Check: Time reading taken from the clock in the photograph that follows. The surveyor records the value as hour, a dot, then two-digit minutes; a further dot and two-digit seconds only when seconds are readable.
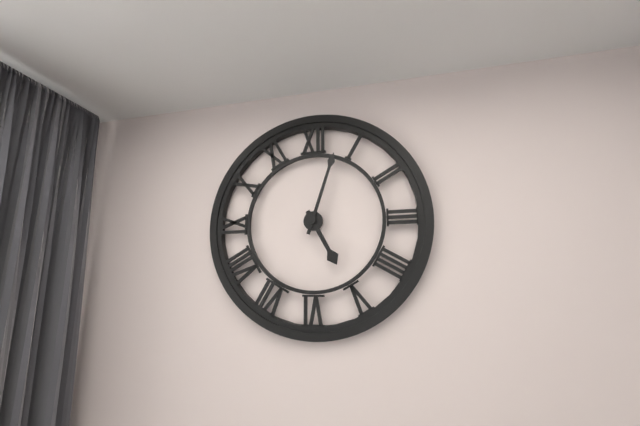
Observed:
5.03
